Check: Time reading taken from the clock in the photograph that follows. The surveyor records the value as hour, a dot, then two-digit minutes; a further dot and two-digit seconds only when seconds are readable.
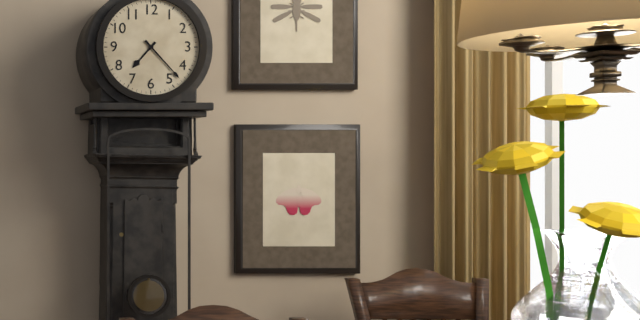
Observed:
7.23
